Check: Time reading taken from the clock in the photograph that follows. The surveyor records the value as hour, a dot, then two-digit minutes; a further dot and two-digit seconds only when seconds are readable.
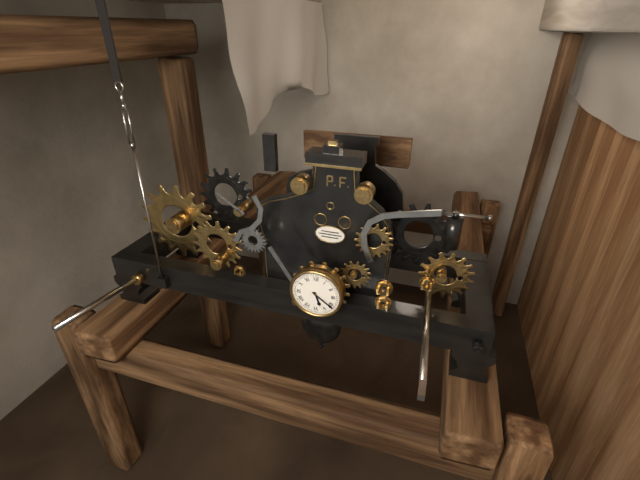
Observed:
5.21
